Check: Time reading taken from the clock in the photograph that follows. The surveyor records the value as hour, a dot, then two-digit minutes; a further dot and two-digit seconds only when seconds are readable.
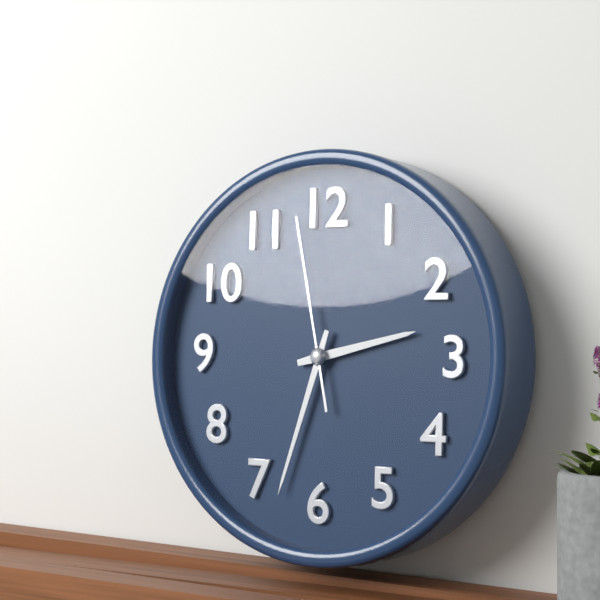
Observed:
2.33.58
